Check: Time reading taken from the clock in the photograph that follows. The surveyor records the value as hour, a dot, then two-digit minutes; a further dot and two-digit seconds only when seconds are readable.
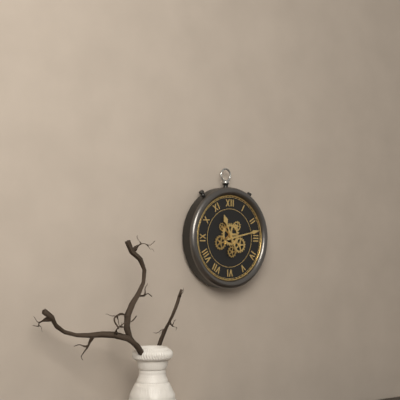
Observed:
11.13
